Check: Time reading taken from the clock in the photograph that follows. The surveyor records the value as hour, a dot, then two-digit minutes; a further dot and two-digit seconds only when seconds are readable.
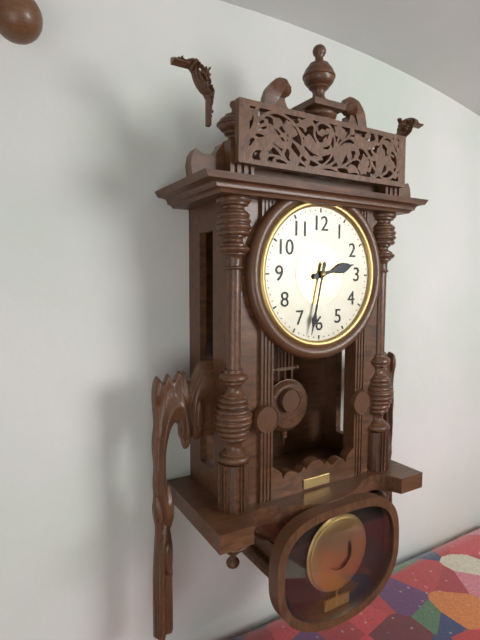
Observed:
2.32
